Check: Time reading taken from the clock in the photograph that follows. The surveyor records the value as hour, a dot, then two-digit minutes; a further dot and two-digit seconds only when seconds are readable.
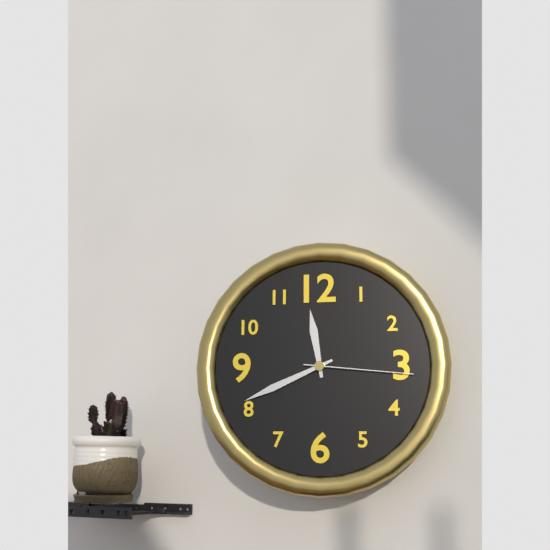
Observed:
11.41.16
